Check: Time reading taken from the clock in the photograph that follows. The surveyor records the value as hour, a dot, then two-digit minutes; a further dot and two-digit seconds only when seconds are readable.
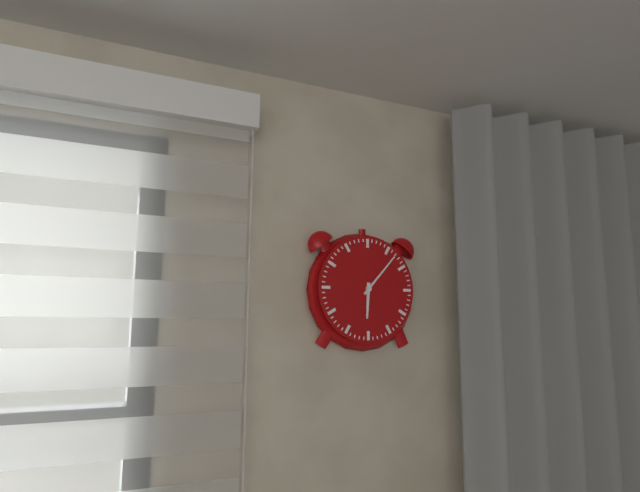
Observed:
6.07
